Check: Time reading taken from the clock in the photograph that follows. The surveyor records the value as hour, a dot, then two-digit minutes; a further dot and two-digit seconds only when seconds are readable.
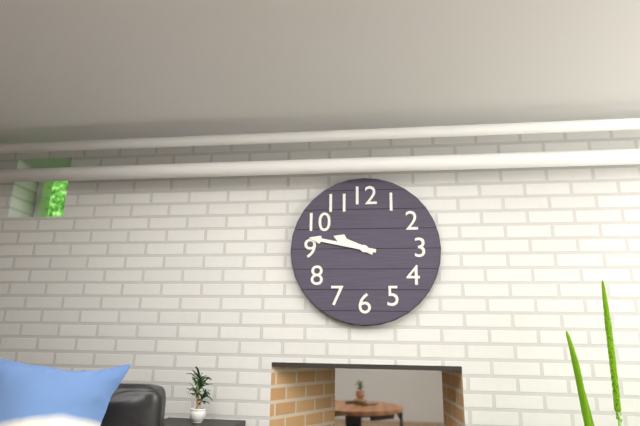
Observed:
9.47
